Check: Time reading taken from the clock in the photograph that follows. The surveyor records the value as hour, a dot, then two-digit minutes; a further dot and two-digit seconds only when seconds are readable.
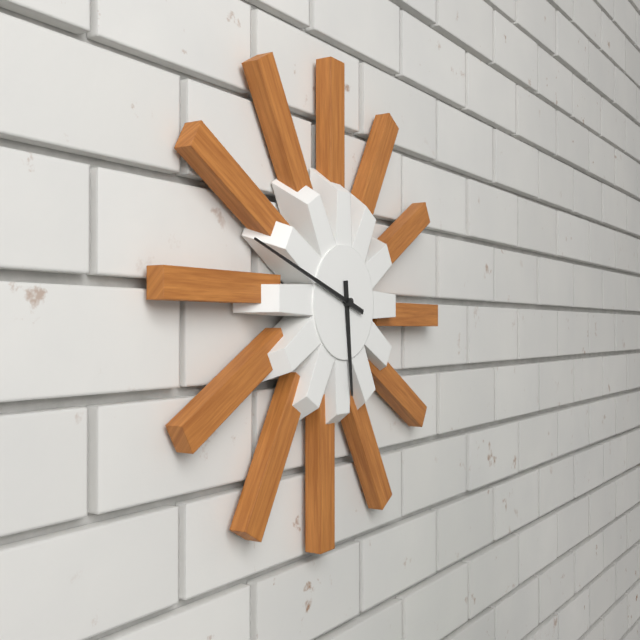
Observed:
5.48
